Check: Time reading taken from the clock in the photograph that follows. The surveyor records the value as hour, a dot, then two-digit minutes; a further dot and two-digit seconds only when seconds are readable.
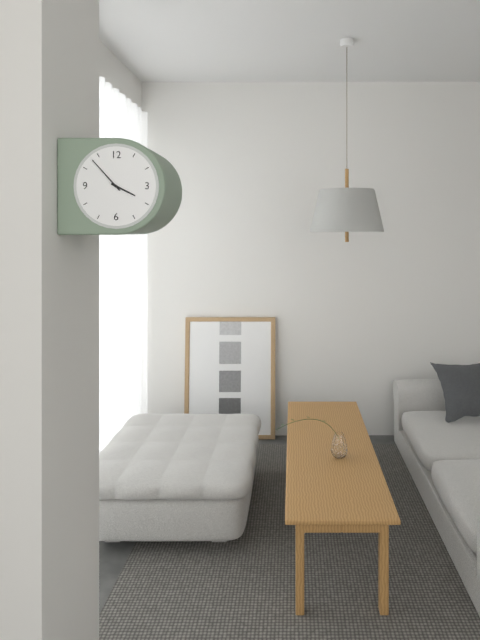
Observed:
3.53
